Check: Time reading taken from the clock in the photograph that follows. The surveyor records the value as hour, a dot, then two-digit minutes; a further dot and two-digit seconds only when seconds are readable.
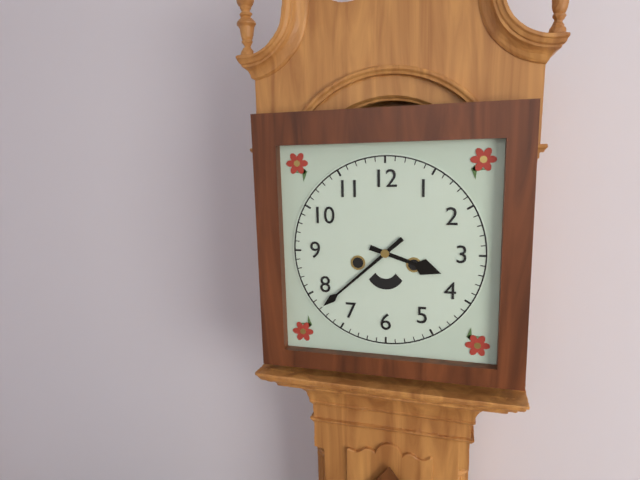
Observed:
3.38
